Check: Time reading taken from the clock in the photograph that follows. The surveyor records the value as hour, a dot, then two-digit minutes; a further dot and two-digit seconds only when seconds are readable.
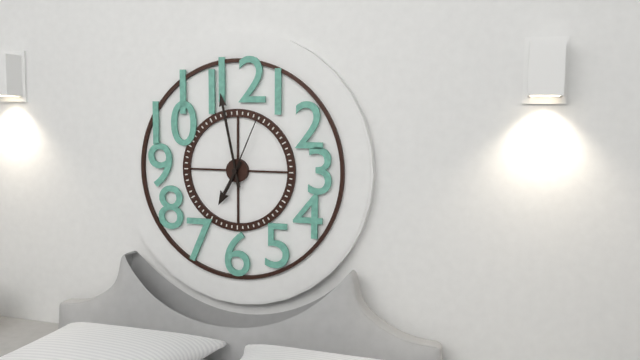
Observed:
6.58.04
